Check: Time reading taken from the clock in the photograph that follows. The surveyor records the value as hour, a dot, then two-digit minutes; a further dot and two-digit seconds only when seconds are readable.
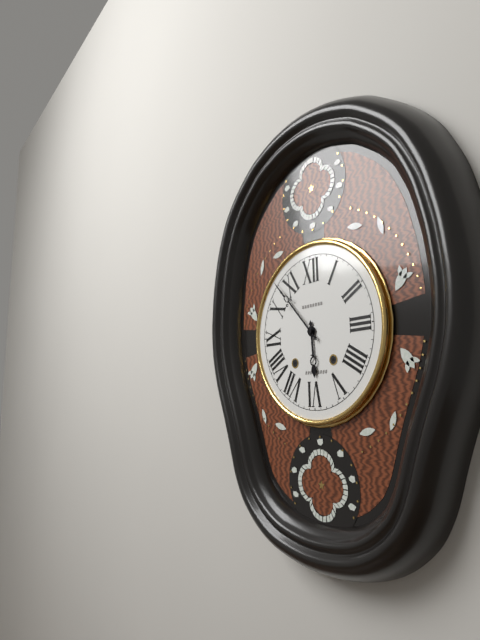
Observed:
5.53
